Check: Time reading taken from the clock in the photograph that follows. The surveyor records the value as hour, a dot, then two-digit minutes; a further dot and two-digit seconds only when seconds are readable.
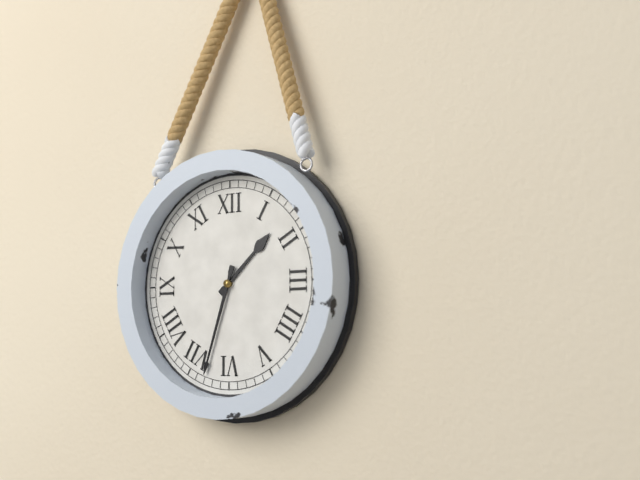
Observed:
1.33
